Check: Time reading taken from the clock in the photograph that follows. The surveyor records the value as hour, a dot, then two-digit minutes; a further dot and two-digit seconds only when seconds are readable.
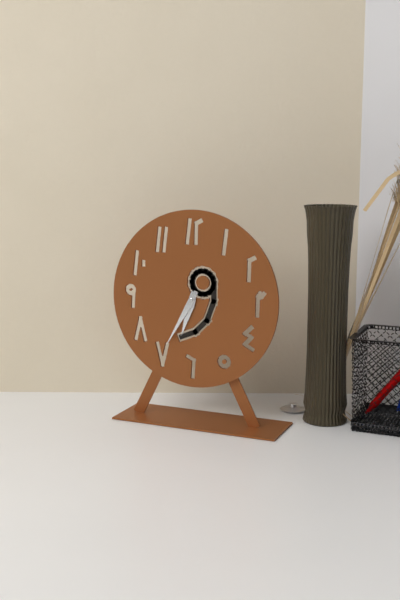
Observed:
6.35
